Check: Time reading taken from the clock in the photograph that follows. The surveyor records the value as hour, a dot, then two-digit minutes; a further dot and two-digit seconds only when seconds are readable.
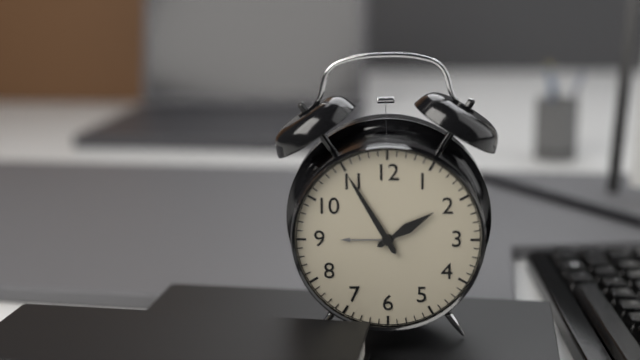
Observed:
1.55
